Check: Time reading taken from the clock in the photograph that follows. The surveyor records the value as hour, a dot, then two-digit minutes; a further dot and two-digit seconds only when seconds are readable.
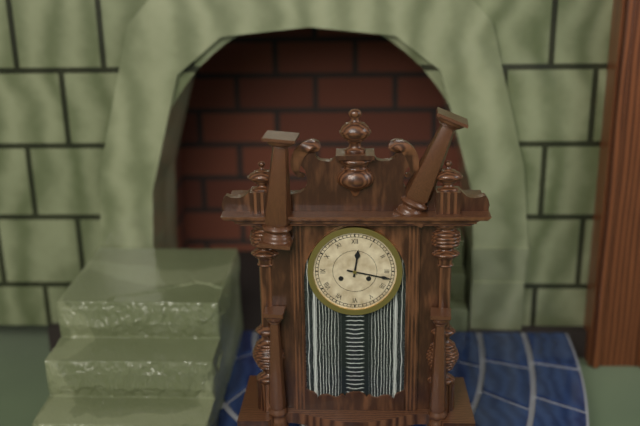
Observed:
12.17
